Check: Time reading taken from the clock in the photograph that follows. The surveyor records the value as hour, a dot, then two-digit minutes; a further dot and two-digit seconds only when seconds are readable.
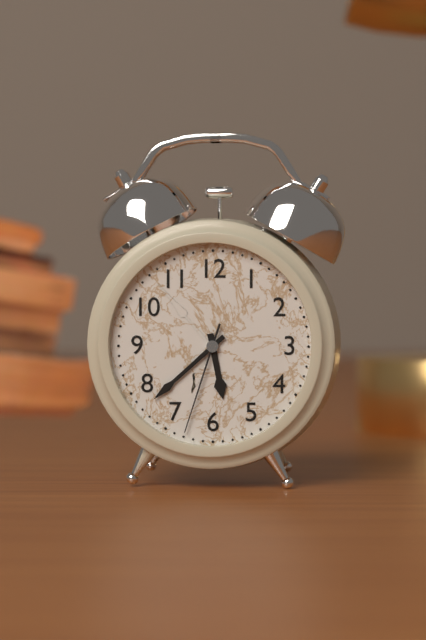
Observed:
5.38.33
